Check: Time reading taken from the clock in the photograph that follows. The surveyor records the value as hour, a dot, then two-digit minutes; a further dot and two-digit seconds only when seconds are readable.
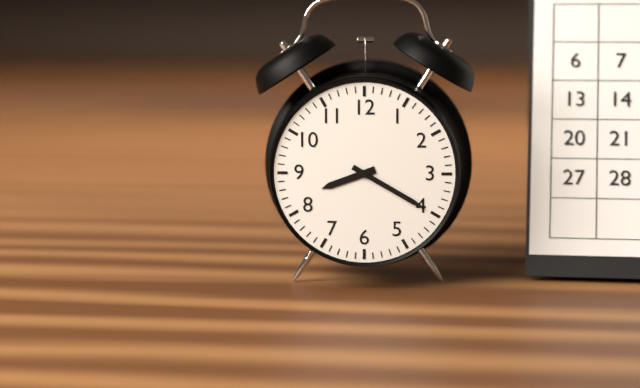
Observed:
8.20
